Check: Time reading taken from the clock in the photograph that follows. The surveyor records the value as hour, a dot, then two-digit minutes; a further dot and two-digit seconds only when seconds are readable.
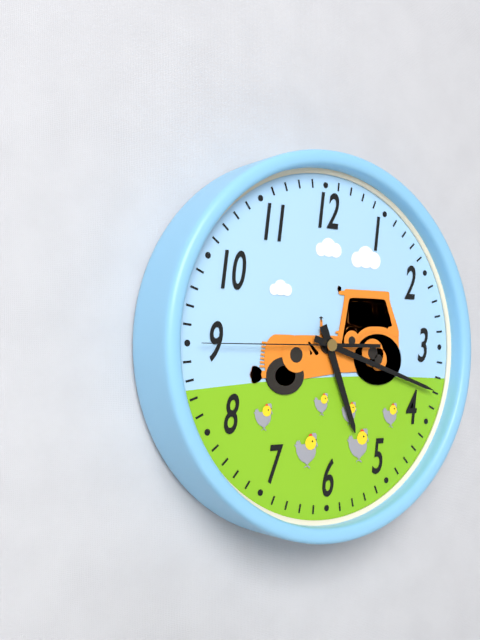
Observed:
5.18.45
